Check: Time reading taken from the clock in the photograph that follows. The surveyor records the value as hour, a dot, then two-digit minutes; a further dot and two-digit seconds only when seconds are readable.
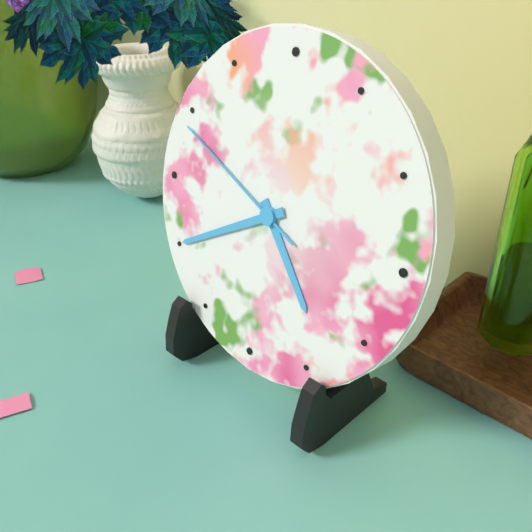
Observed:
4.40.49
